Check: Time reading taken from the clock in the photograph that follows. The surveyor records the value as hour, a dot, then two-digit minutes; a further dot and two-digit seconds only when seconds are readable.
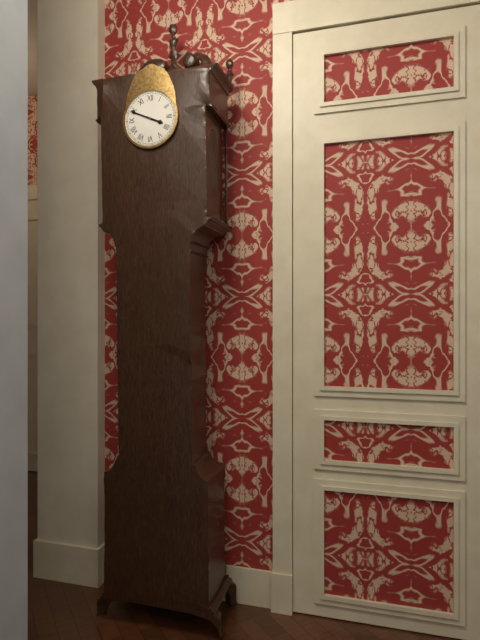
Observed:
3.49
